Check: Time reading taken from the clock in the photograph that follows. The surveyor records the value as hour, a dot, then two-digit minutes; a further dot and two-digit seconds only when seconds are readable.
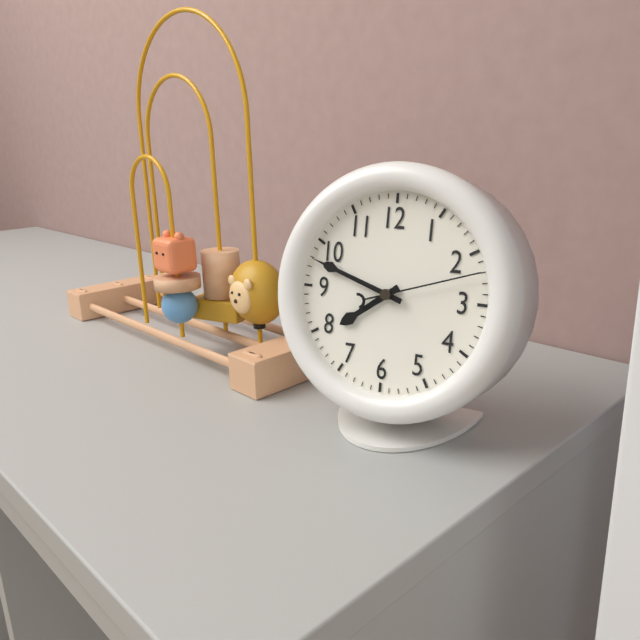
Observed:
7.48.12
